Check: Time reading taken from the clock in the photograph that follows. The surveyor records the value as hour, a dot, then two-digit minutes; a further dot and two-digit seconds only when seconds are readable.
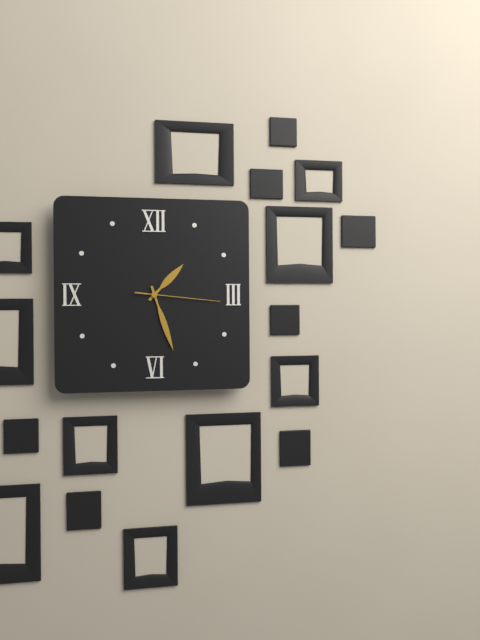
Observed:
1.27.16
